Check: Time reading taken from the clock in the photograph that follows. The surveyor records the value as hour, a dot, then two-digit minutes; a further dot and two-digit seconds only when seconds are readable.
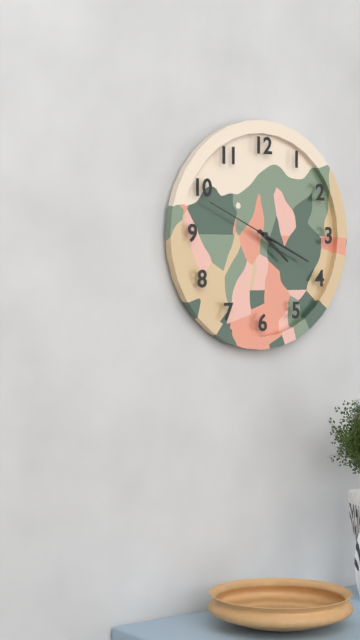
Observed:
4.19.49
